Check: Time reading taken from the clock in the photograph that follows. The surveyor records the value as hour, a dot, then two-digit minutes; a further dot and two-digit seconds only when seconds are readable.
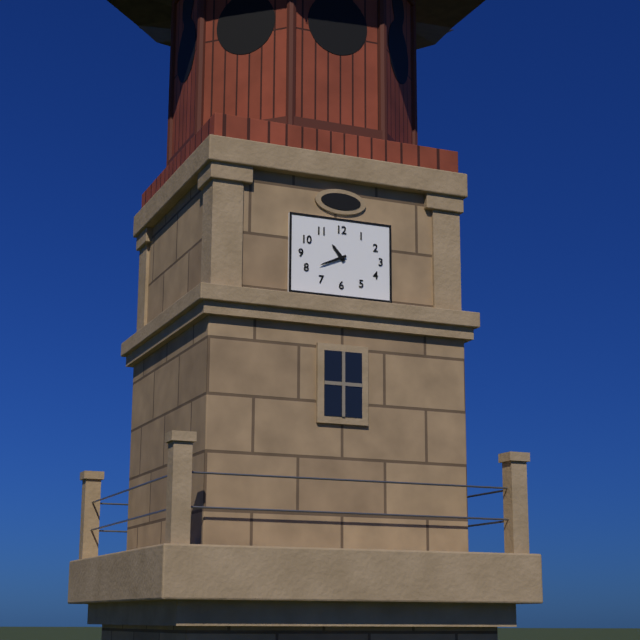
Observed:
10.41
